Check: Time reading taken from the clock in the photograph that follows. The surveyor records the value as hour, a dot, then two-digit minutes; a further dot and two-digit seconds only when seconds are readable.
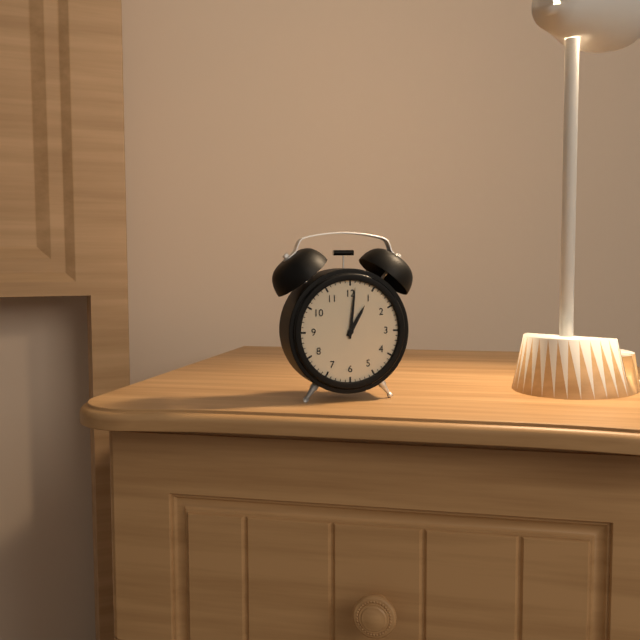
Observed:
1.01
